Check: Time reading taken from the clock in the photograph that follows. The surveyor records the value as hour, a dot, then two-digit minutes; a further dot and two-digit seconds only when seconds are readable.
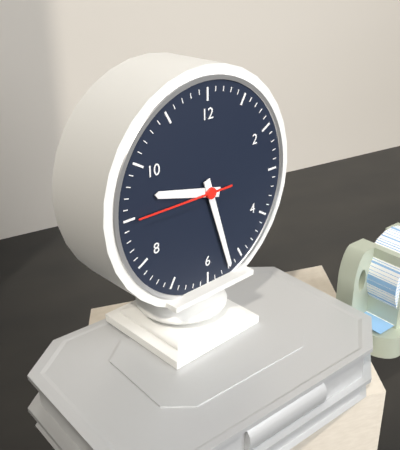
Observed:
9.27.45
